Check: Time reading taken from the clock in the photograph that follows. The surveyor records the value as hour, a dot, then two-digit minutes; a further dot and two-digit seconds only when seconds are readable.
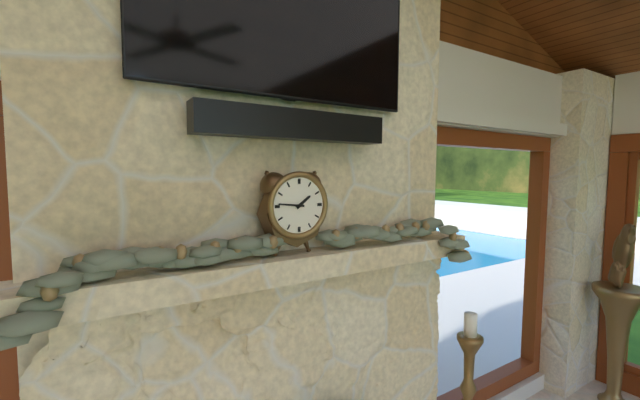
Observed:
1.46
